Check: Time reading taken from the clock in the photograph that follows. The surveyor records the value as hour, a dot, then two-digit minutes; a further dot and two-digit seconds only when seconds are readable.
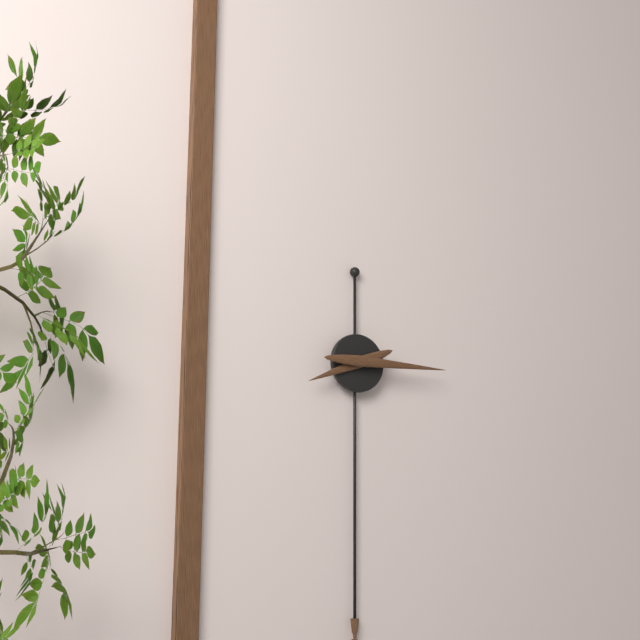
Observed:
8.15
